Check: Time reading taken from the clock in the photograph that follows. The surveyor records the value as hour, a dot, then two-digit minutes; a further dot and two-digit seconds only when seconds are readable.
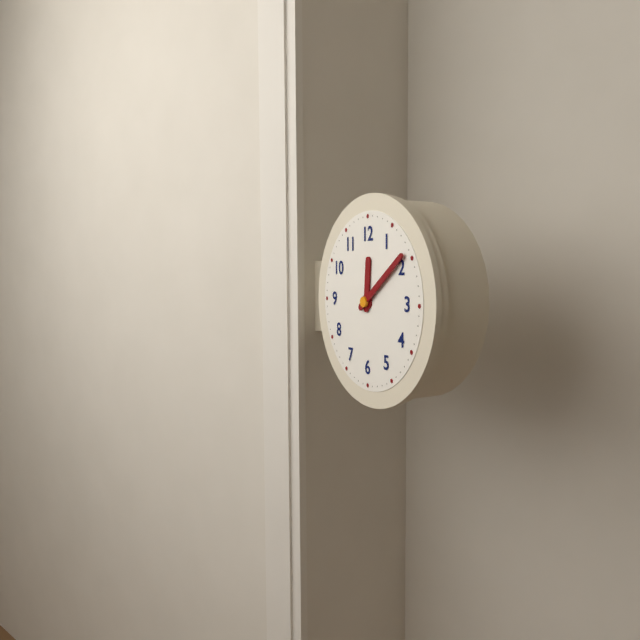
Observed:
12.09
